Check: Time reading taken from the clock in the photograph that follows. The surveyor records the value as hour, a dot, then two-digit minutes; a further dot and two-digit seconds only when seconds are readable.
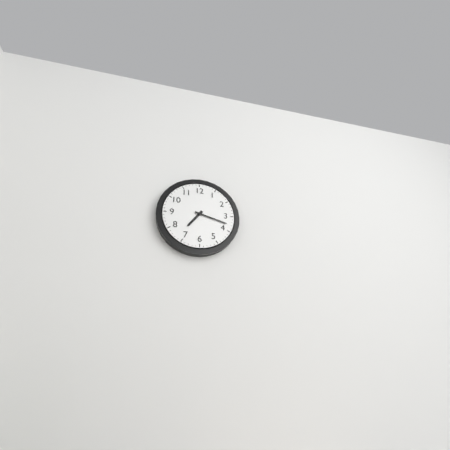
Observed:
7.18
